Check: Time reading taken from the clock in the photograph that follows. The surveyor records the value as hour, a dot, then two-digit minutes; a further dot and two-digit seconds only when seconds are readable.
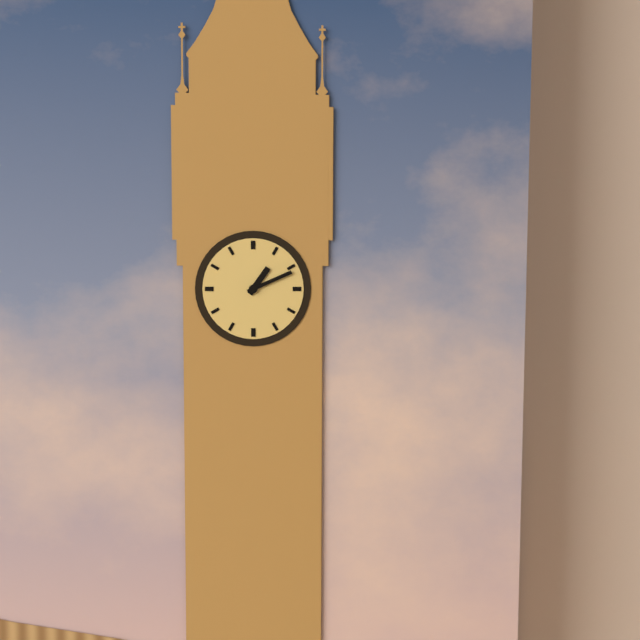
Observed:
1.11
